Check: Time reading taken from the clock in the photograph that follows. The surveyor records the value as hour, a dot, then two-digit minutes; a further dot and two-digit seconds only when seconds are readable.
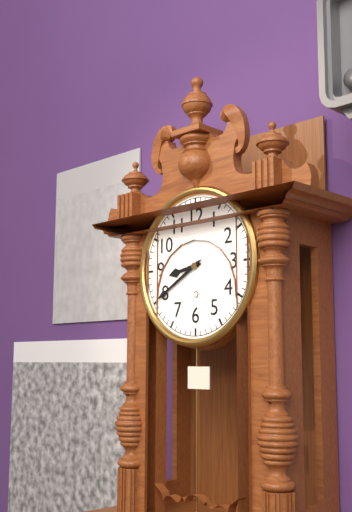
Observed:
8.40
